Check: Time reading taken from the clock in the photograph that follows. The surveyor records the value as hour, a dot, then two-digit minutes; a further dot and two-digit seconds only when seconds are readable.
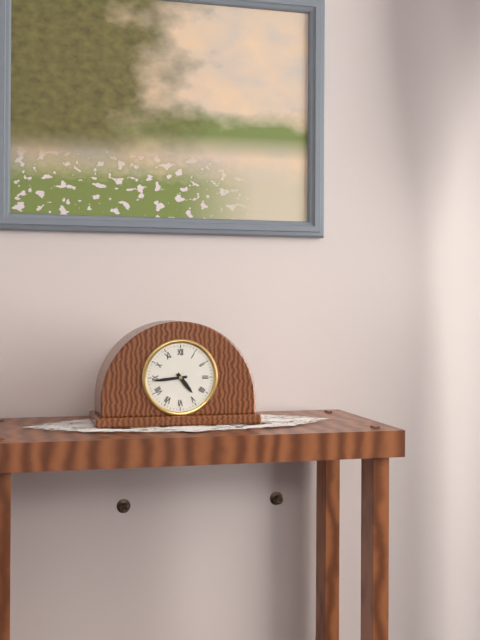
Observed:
4.44
